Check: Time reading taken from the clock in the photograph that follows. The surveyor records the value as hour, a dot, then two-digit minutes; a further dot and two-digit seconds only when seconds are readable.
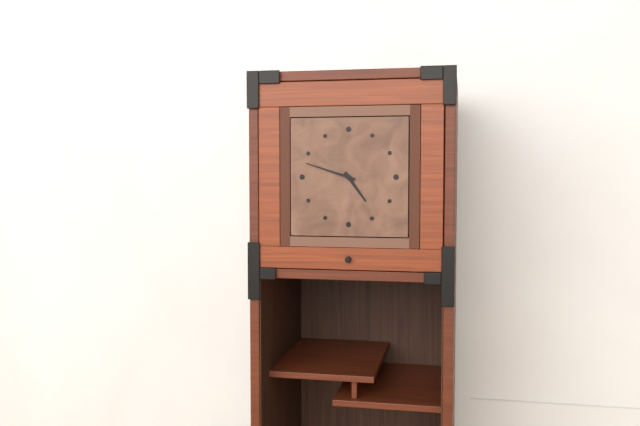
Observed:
4.48
